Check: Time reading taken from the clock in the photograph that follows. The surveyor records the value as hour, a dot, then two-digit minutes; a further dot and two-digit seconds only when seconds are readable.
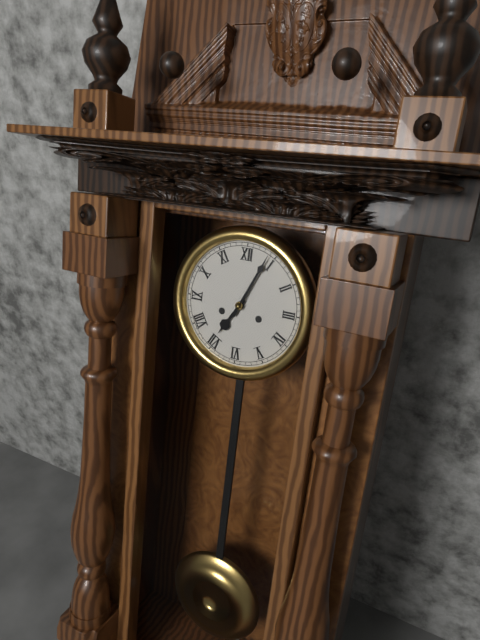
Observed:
7.04
